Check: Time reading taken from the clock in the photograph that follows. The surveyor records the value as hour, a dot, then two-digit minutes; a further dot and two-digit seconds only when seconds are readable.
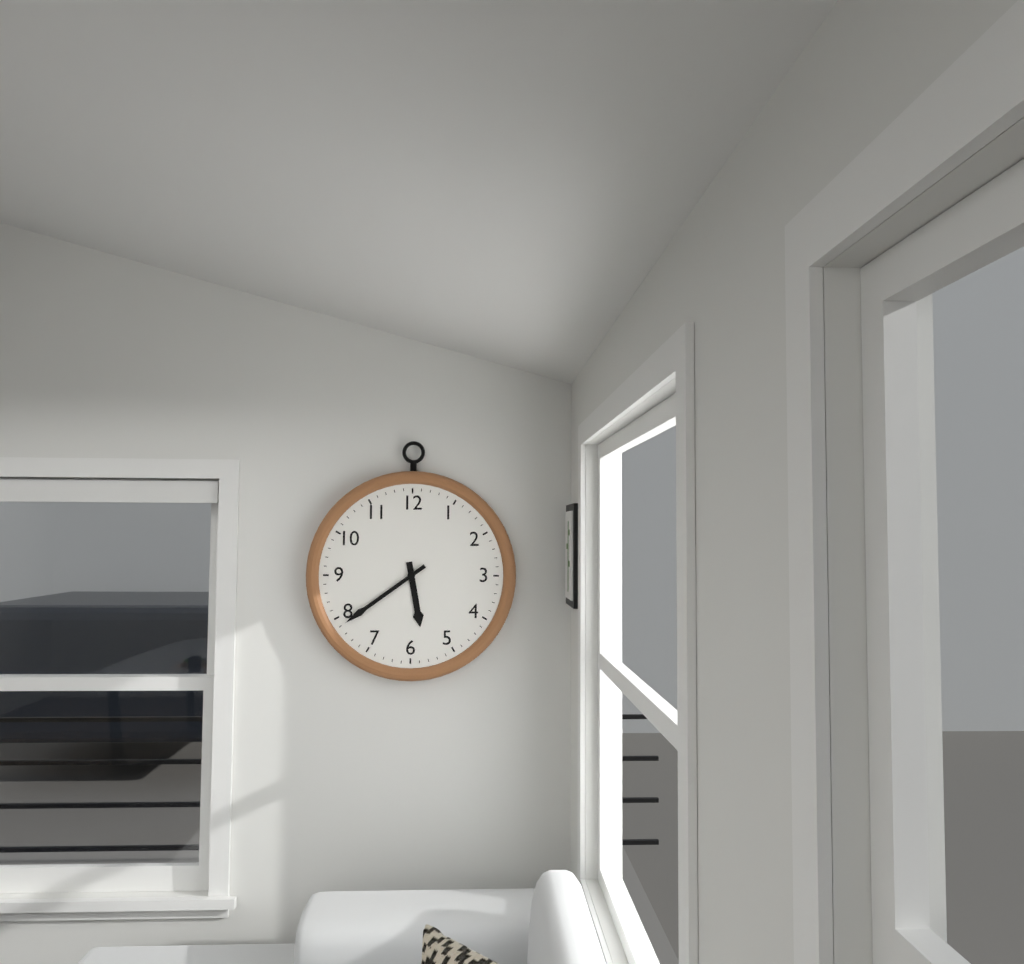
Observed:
5.39
